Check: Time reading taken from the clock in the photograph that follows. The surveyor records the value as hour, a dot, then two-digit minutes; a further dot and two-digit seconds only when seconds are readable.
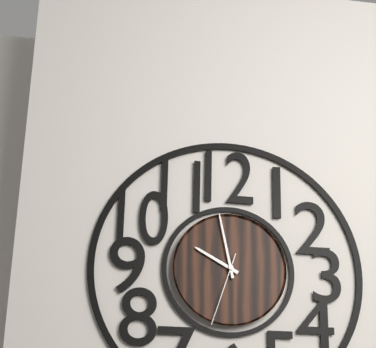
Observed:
9.58.33
